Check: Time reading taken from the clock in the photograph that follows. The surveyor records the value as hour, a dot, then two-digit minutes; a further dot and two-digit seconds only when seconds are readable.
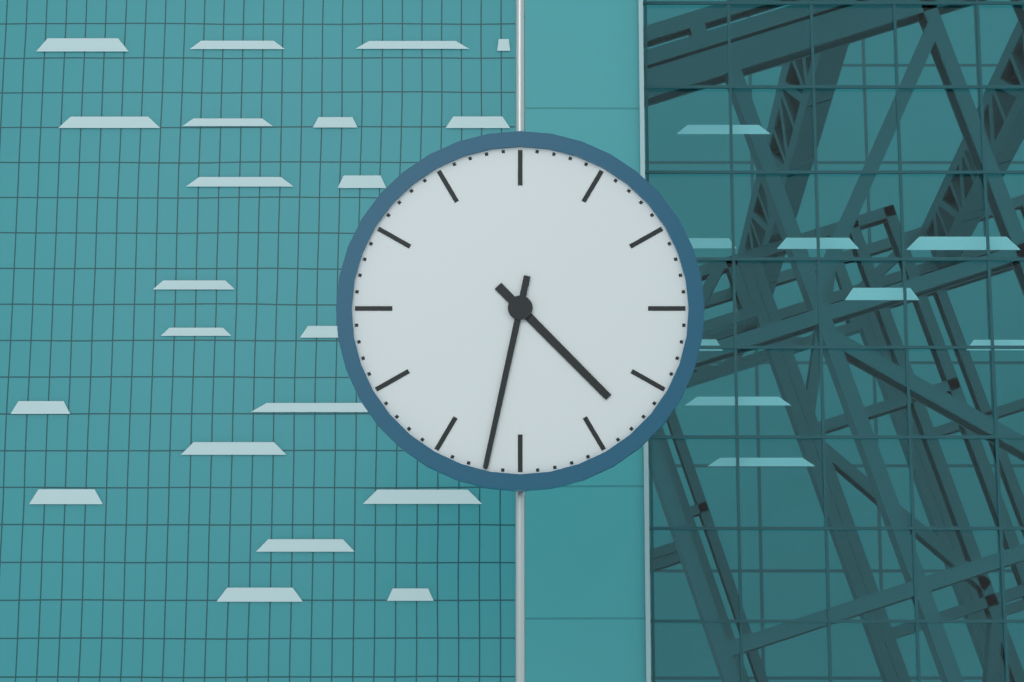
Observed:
4.32
